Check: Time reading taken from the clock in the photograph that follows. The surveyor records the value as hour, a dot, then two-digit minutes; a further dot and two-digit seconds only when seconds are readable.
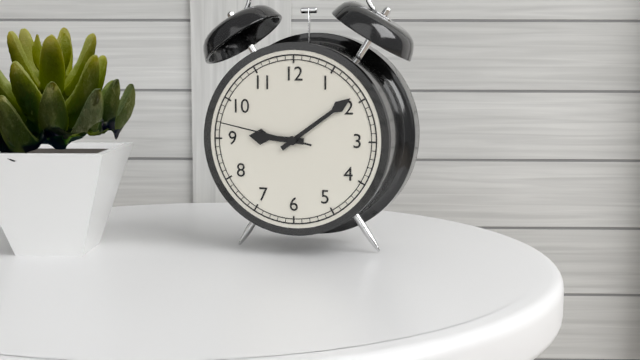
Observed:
9.09.47
